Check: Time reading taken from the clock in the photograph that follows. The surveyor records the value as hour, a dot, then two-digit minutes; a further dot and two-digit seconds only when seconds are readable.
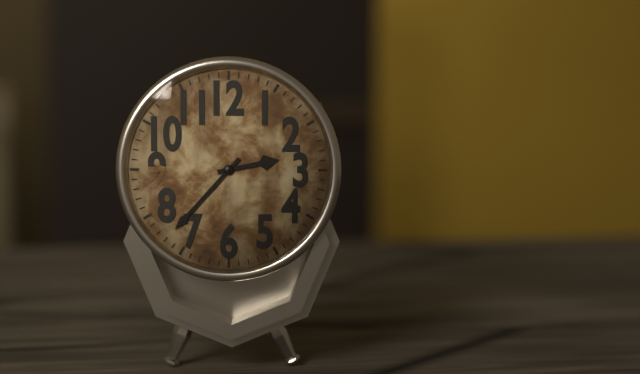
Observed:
2.37
